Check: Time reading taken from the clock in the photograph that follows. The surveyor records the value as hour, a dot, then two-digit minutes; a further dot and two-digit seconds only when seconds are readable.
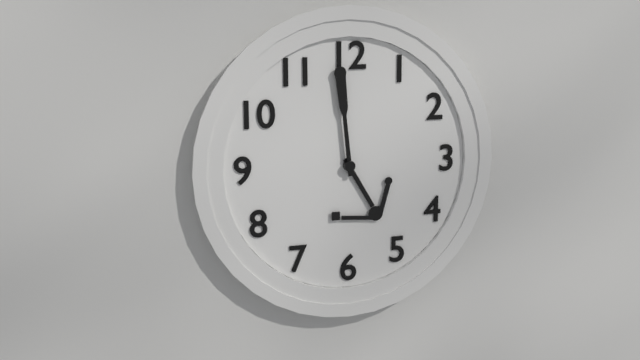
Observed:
4.59
